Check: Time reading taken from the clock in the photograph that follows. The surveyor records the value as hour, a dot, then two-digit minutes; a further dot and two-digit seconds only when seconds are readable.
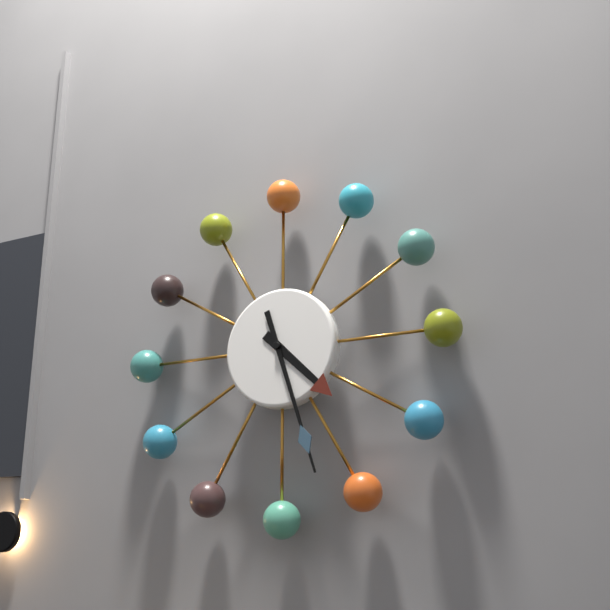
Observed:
4.27
